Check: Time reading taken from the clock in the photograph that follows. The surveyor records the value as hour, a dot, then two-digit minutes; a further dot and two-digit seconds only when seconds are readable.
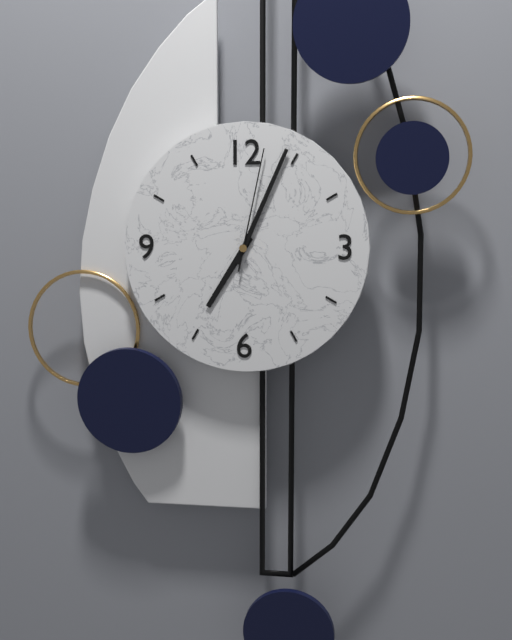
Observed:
7.04.02
